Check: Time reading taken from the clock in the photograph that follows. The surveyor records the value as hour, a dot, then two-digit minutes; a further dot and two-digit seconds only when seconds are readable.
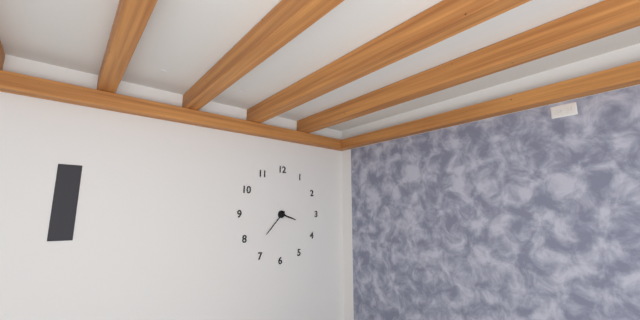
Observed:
3.37
